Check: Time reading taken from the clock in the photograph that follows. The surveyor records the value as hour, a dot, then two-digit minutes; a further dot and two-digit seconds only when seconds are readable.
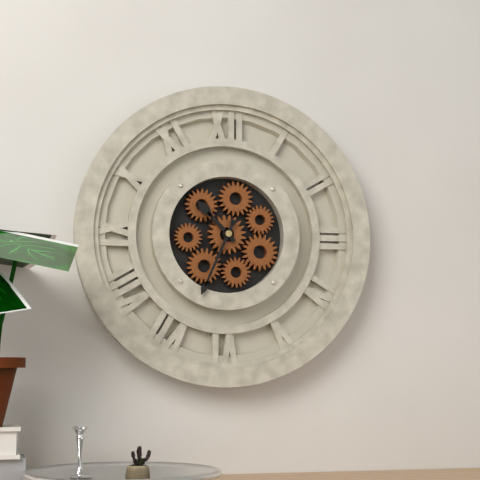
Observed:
10.34
